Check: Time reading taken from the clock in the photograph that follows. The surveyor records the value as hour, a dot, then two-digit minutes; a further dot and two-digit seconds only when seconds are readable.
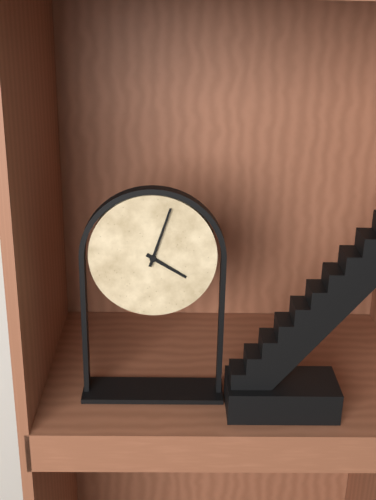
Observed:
4.03
